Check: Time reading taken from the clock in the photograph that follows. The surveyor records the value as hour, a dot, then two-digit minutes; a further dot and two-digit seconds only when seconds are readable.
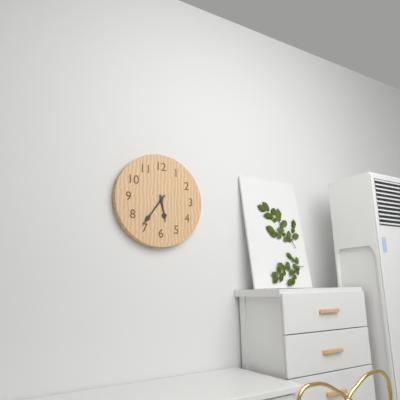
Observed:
5.36
